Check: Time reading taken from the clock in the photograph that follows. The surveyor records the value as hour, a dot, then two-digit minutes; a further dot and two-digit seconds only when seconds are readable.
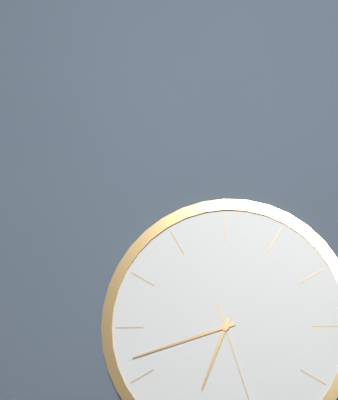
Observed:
6.42
